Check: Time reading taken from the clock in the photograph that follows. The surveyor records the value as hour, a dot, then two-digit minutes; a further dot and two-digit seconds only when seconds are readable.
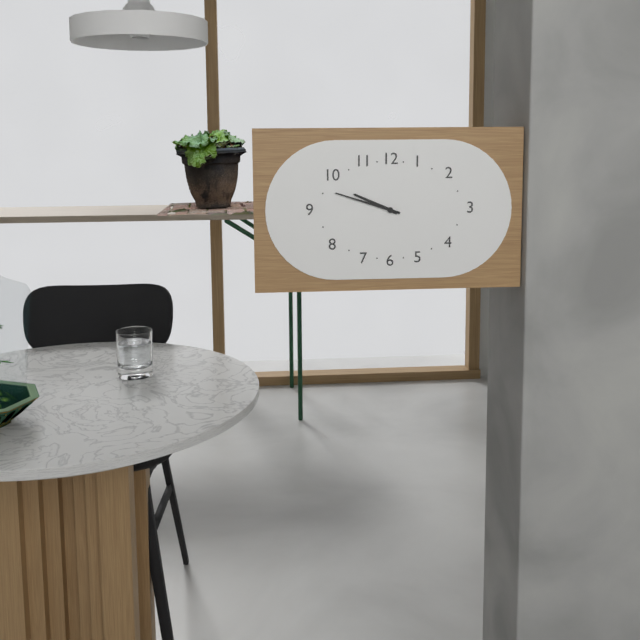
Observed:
9.48
